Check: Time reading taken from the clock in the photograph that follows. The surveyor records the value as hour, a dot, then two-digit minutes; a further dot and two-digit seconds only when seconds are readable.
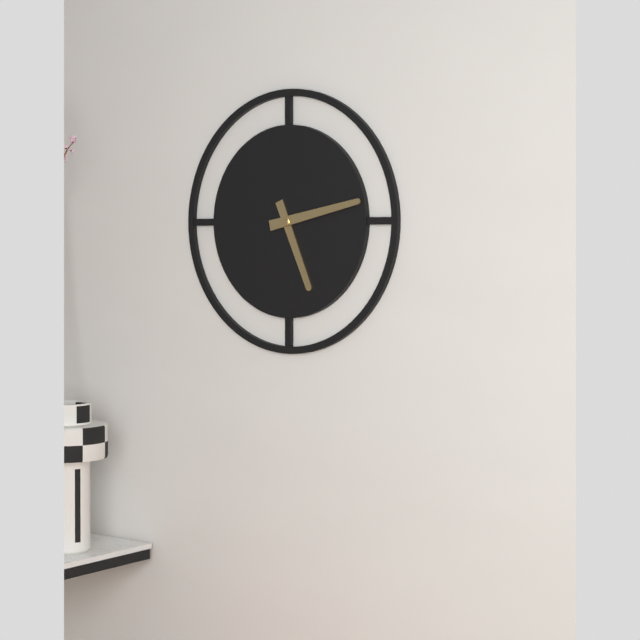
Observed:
5.13
